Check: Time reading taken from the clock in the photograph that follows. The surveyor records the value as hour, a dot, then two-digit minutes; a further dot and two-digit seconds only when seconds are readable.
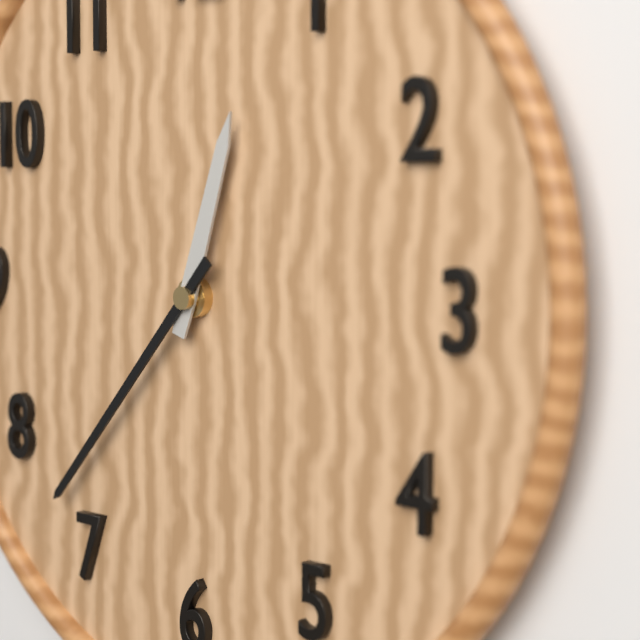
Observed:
12.37
